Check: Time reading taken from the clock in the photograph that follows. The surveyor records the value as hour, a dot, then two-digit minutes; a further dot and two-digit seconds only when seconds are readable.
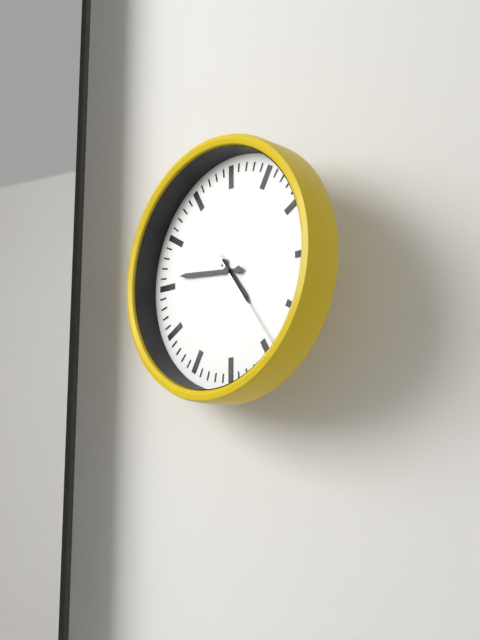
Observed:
4.46.24
